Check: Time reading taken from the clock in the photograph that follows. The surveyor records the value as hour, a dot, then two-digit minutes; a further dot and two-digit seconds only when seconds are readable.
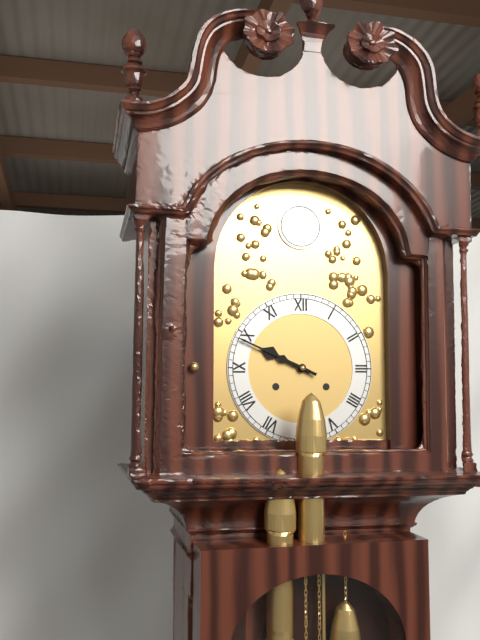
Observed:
9.49
